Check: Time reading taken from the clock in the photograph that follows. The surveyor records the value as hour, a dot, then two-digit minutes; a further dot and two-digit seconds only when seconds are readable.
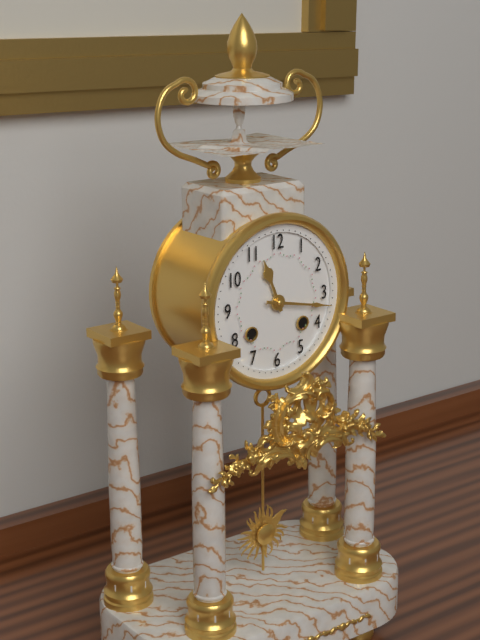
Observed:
11.17
